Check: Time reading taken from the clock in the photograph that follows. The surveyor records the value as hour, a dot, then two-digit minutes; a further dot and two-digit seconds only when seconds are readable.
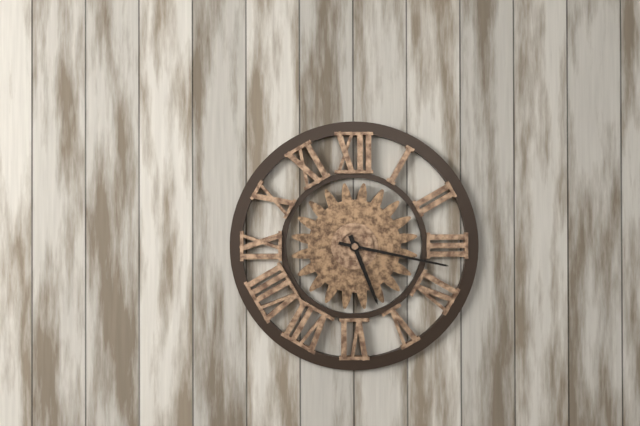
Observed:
5.17
